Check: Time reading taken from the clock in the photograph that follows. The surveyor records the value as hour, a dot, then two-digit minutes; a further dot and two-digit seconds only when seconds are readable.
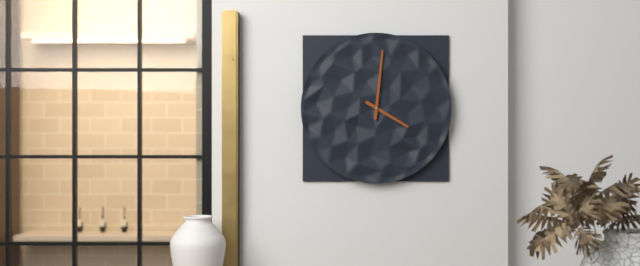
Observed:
4.01
